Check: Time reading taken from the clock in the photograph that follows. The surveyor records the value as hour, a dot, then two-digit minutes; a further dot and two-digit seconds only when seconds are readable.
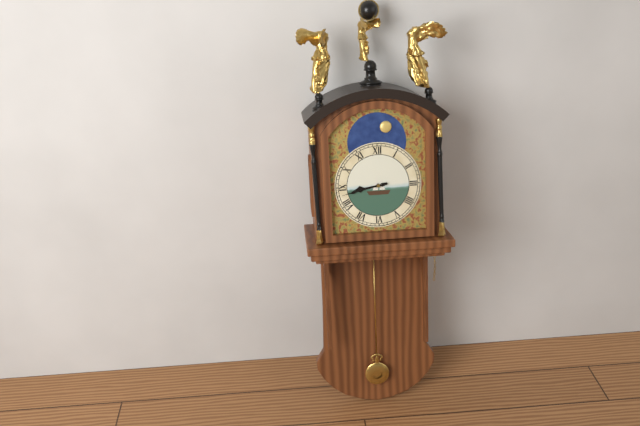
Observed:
8.43
